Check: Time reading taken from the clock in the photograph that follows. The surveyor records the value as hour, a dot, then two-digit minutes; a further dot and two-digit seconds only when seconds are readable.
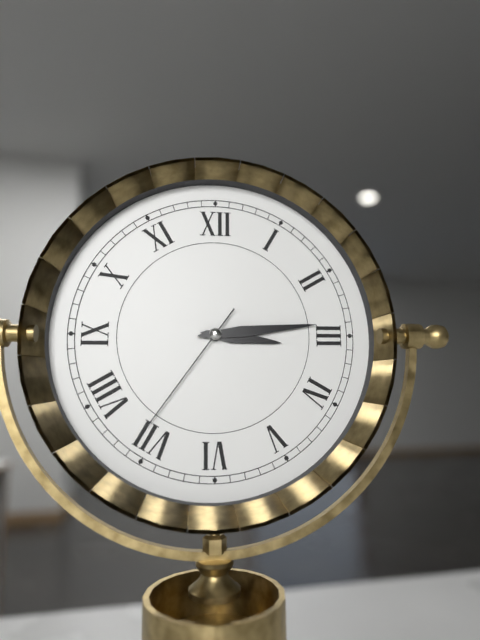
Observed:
3.14.36
